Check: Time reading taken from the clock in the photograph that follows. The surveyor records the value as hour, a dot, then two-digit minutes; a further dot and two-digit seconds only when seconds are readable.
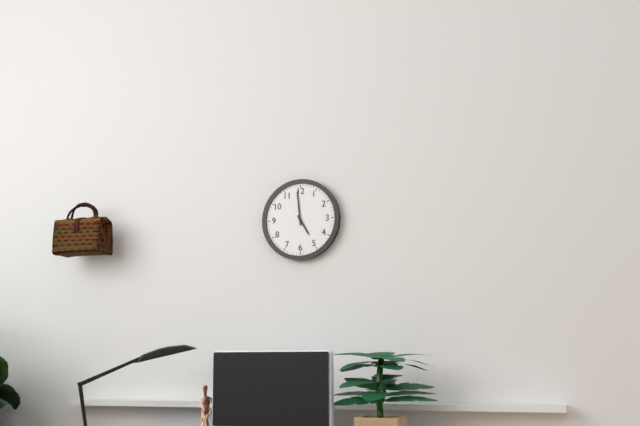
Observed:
4.59
